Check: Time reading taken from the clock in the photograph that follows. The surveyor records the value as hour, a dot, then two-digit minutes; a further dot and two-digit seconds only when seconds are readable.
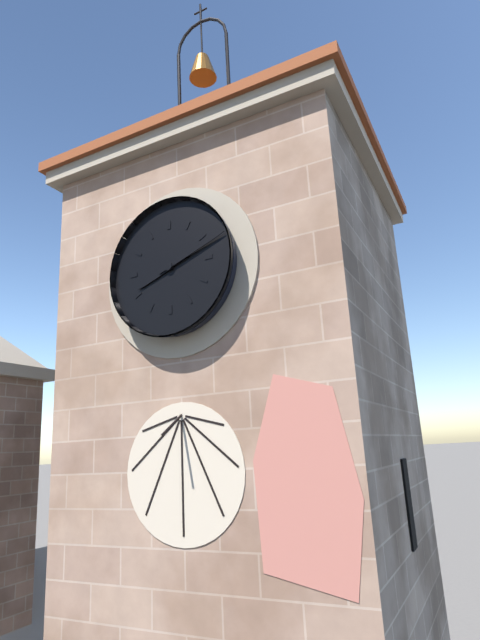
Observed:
8.12
